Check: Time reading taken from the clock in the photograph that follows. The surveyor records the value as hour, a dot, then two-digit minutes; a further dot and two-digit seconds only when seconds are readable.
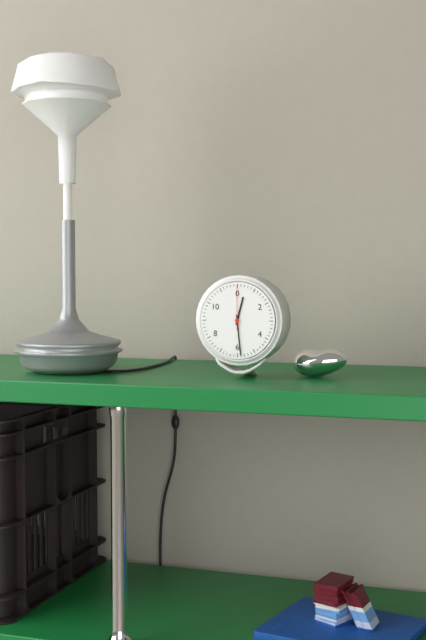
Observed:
12.29
